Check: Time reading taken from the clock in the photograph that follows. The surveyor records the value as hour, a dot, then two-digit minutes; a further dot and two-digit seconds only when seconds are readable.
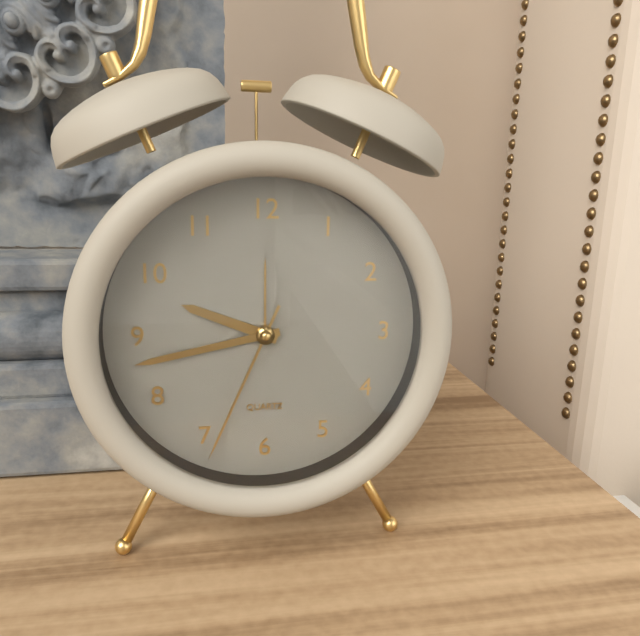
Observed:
9.43.34
